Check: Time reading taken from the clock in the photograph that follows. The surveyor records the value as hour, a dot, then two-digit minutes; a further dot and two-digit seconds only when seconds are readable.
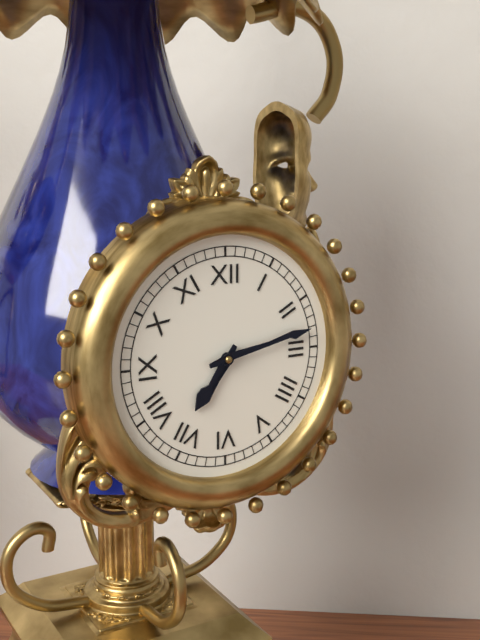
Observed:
7.13
